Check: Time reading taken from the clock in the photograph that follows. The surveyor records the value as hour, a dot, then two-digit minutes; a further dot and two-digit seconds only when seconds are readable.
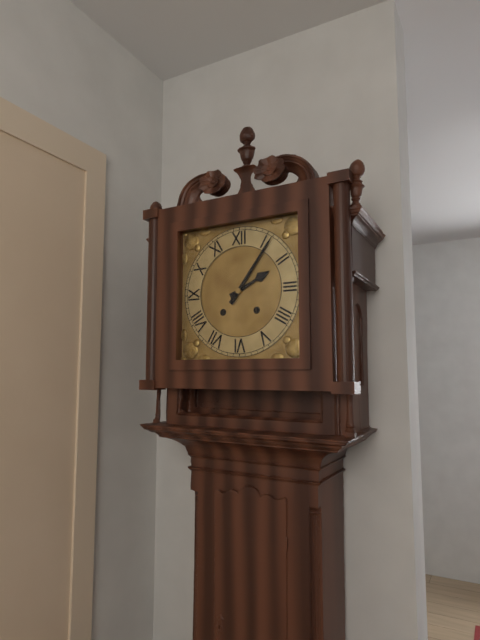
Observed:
2.06
